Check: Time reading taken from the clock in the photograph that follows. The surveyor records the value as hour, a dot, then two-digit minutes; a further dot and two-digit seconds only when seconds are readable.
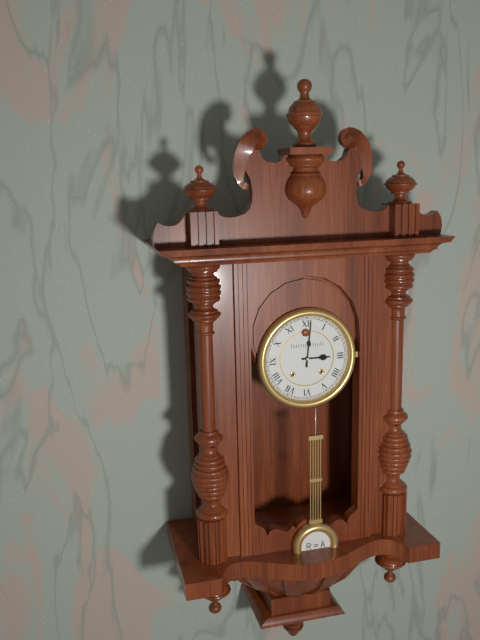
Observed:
3.01
